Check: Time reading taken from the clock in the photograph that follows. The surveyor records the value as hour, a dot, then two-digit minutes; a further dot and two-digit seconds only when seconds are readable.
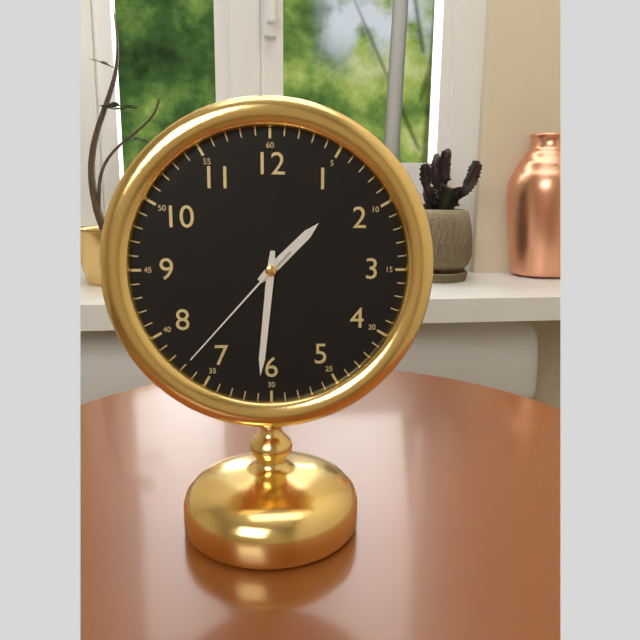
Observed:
1.31.37
